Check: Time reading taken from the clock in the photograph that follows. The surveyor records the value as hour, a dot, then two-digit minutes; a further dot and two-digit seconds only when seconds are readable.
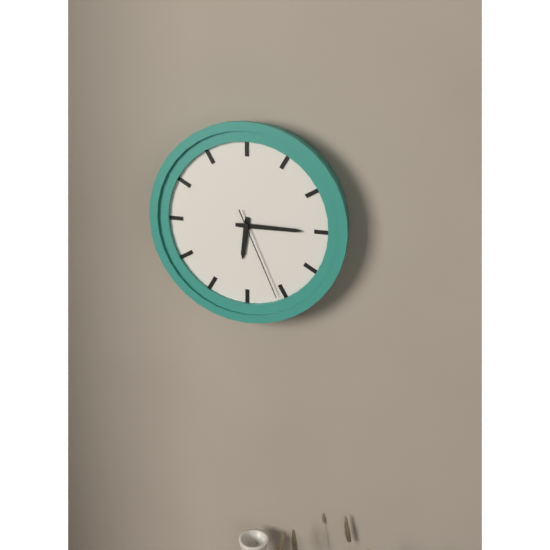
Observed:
6.15.26
